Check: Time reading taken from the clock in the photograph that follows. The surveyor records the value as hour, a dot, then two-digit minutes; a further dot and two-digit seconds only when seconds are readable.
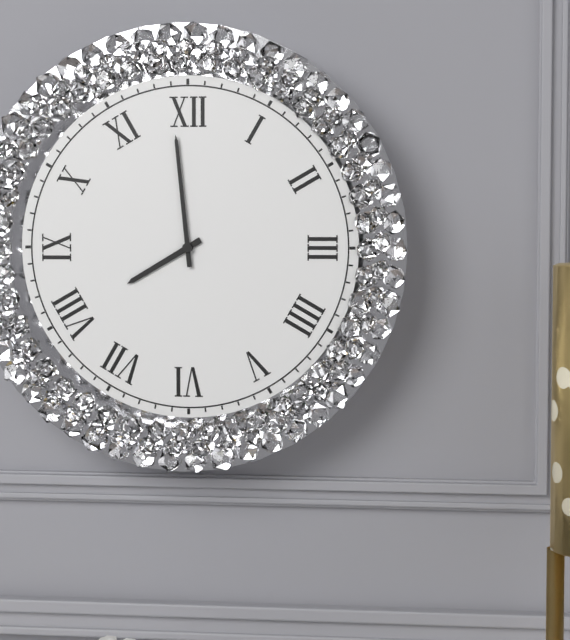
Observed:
7.59
